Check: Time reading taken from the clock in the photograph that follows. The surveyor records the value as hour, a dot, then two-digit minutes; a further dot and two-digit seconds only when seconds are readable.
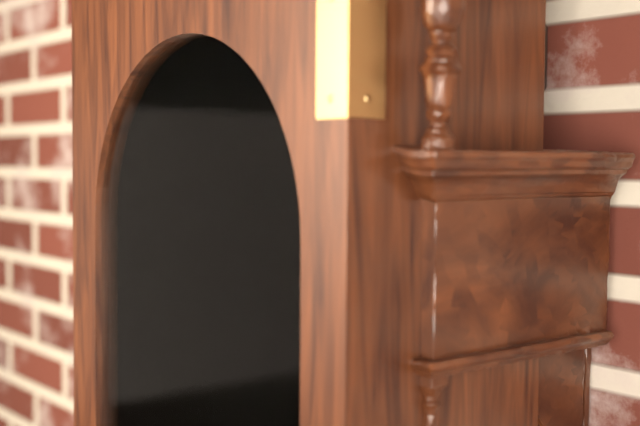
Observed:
4.35
